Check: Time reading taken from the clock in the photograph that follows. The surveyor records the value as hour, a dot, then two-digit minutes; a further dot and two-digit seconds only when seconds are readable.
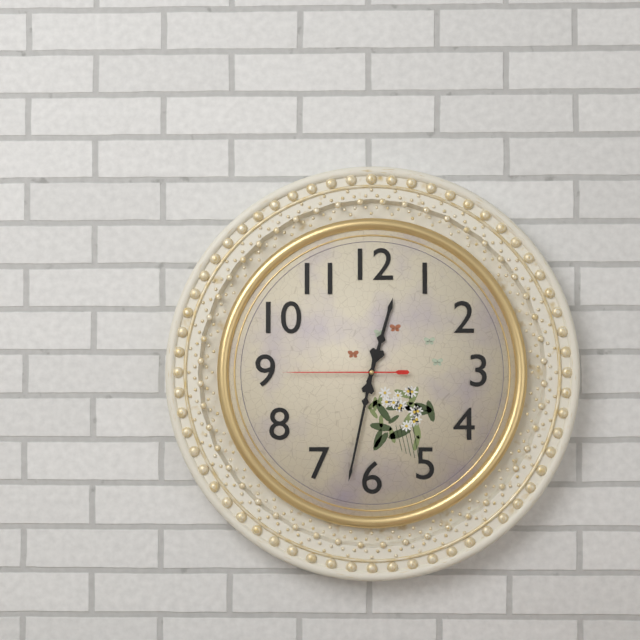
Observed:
12.32.45
